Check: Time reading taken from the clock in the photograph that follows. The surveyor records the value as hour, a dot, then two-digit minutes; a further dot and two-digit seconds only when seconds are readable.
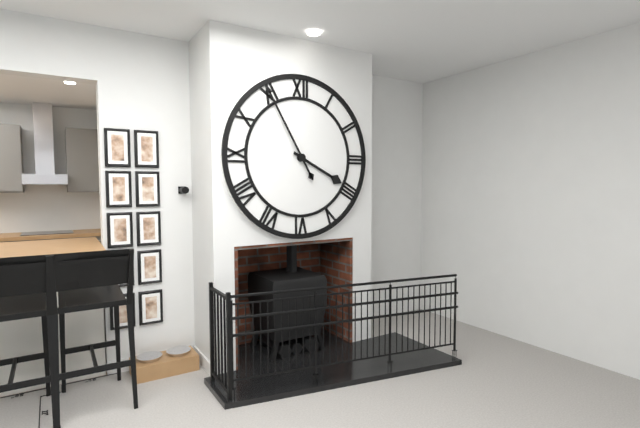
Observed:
3.55
